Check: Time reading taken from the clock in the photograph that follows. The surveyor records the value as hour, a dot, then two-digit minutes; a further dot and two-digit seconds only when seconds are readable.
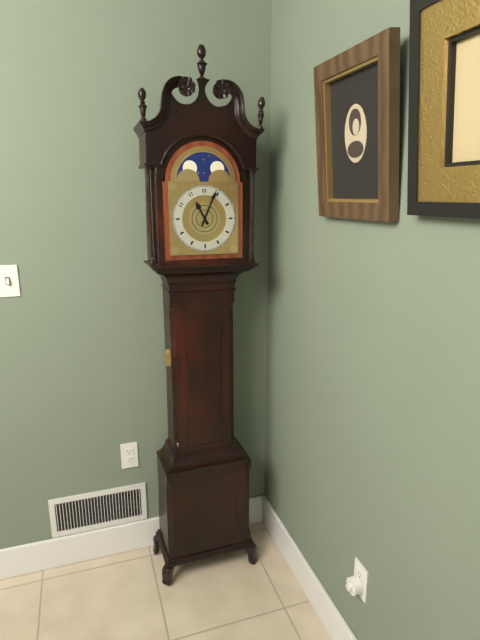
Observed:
11.04
